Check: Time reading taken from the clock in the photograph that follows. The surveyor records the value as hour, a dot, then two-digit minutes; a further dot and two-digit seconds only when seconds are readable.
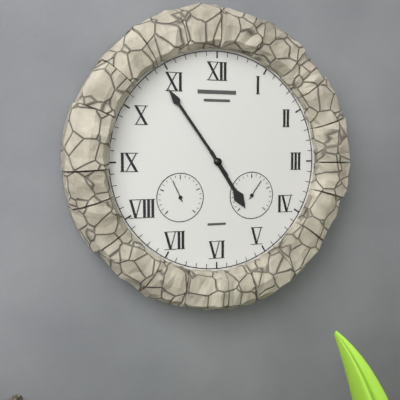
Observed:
4.54
